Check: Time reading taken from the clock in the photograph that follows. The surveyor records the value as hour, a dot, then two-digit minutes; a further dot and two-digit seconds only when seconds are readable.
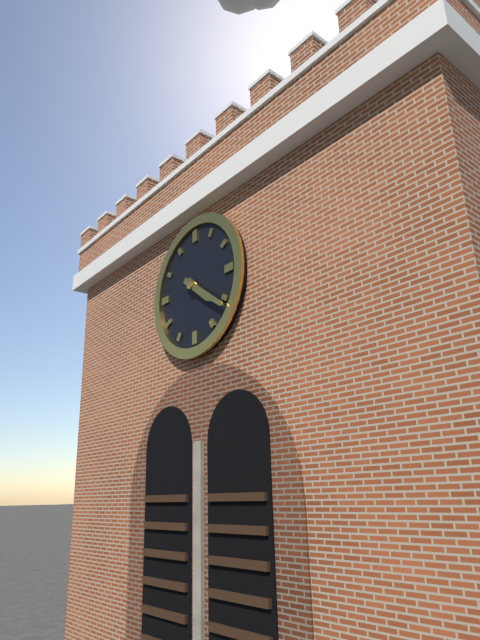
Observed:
4.21
